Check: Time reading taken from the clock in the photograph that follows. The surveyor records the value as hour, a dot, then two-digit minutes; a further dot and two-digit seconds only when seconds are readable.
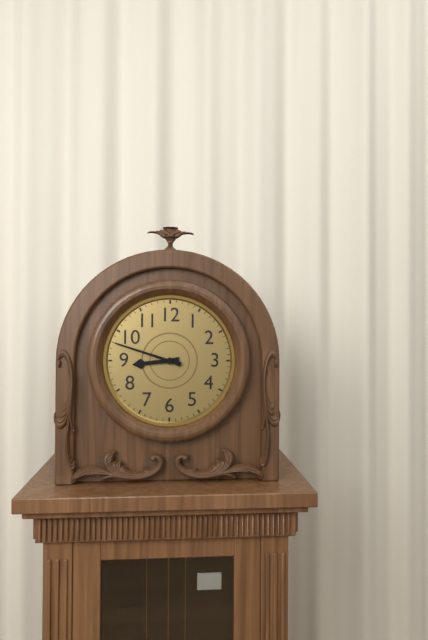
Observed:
8.48
